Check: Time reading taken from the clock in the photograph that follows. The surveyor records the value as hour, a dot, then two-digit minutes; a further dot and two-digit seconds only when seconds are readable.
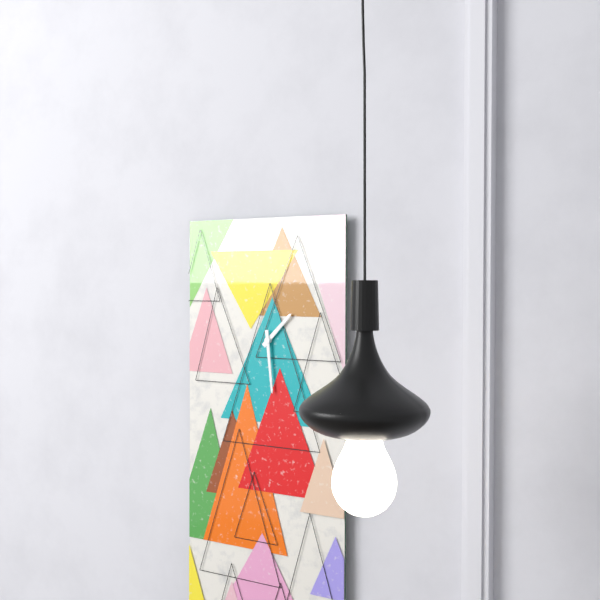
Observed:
1.29
